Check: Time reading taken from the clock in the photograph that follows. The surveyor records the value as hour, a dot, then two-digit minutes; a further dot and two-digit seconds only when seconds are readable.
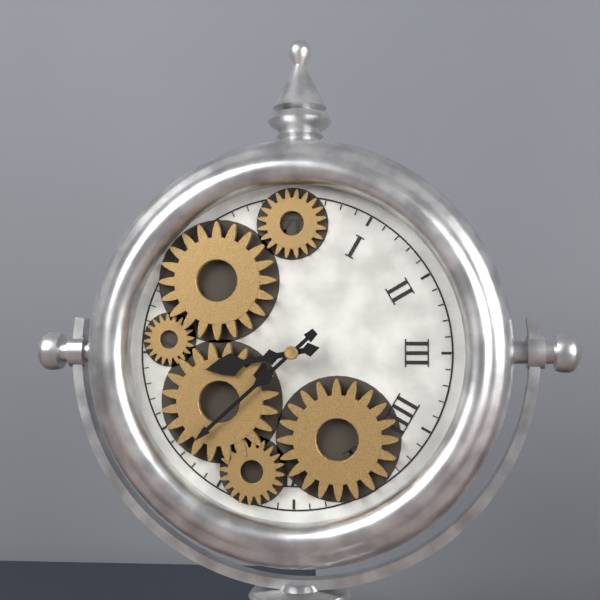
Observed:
8.38
